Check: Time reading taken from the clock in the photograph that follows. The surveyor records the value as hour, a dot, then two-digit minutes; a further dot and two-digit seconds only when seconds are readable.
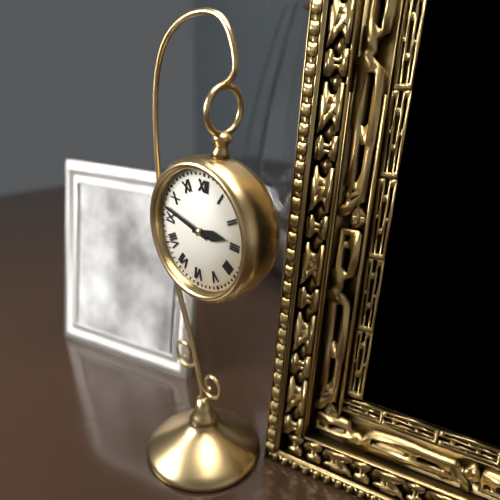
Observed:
2.47
